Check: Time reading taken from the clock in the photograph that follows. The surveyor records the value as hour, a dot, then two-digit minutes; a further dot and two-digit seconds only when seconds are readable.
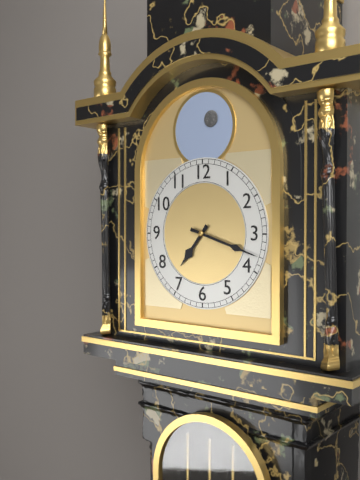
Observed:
7.18
